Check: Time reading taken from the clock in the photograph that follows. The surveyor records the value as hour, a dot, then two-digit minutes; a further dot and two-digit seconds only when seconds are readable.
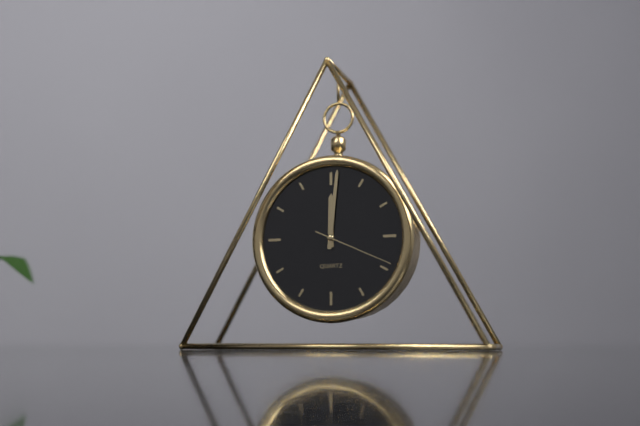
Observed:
12.01.19
